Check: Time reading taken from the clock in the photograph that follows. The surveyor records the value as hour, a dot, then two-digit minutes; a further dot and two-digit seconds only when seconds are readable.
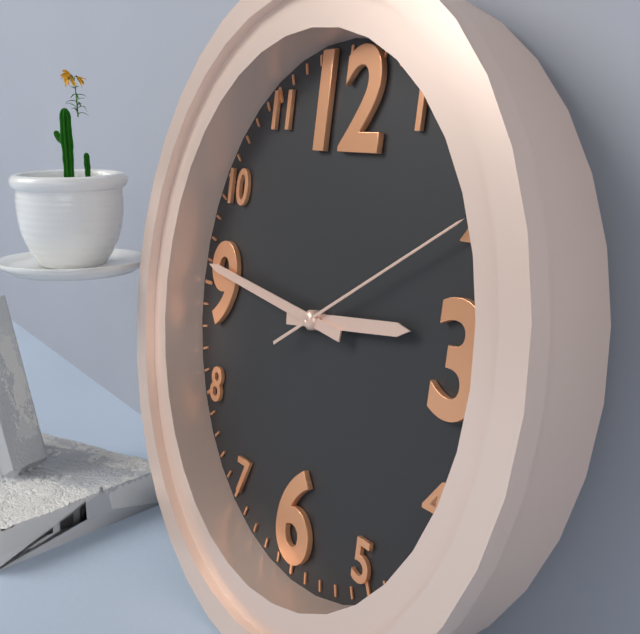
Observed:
2.46.10
